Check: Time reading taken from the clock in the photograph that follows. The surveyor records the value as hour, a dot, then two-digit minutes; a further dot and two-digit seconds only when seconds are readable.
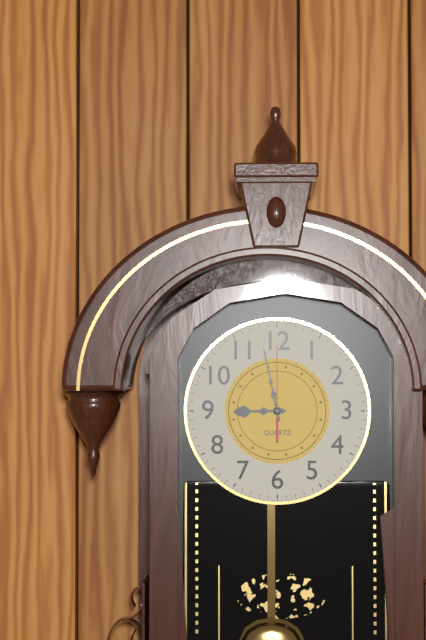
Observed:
8.58.00
